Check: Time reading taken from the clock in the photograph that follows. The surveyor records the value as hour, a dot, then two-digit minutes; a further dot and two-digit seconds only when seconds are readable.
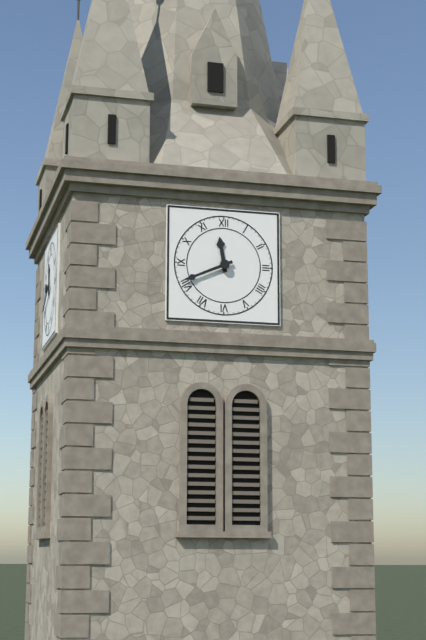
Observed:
11.41
